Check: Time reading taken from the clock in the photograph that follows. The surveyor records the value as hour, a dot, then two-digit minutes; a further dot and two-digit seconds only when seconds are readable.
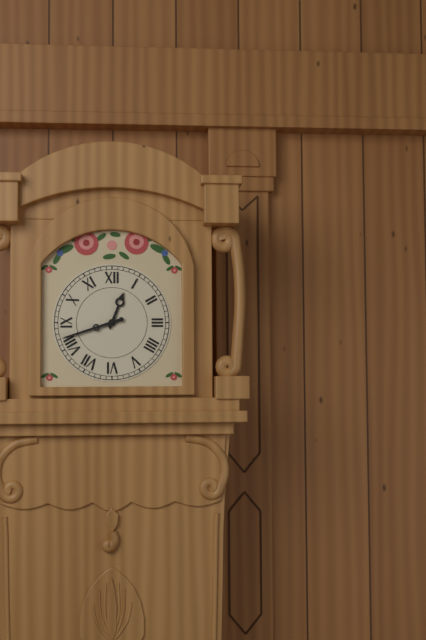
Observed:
12.42
